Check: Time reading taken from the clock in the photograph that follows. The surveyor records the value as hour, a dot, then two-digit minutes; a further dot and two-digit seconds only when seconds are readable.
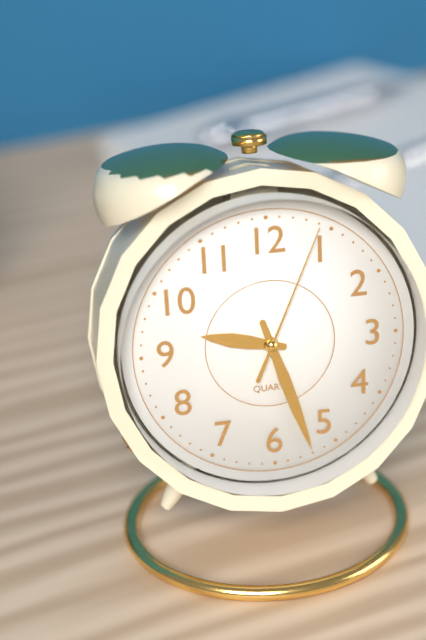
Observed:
9.27.04
